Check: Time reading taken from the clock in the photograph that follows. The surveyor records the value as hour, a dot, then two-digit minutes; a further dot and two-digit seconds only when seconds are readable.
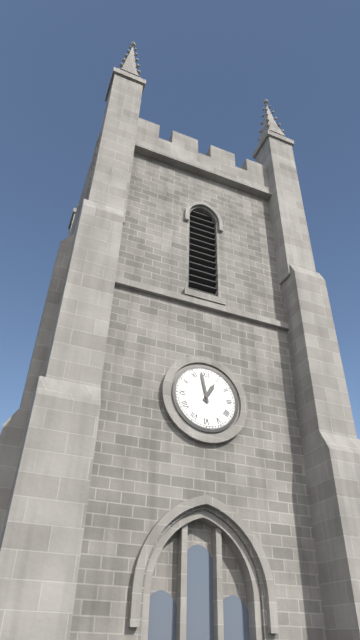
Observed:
12.58
